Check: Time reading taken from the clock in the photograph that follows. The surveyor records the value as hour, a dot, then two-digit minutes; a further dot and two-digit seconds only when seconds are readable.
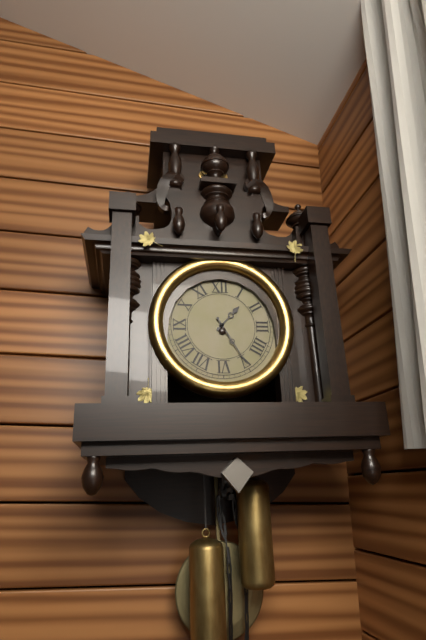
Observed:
1.25
